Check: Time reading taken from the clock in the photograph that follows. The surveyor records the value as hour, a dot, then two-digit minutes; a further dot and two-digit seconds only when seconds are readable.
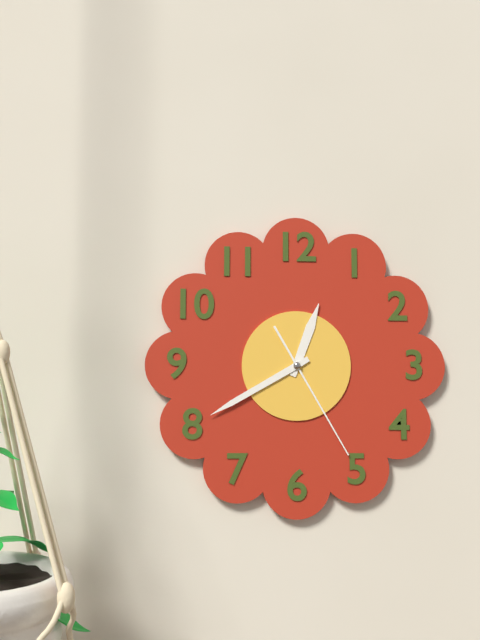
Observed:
12.40.25
